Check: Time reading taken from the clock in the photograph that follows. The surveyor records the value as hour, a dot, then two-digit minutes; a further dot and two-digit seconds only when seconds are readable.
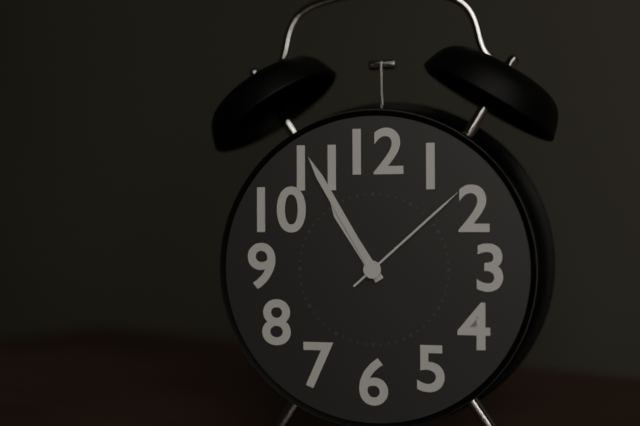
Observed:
10.55.08
